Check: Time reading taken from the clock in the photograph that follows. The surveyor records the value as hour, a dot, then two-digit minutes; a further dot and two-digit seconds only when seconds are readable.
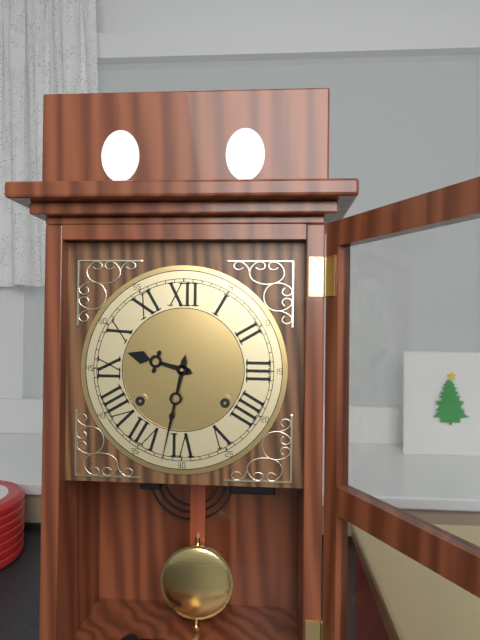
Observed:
9.32
